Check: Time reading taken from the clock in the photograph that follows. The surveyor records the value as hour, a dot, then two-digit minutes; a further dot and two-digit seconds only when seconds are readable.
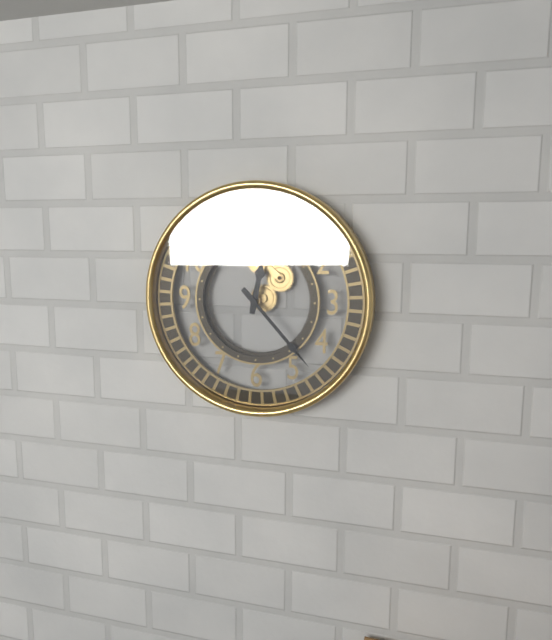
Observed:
12.23
